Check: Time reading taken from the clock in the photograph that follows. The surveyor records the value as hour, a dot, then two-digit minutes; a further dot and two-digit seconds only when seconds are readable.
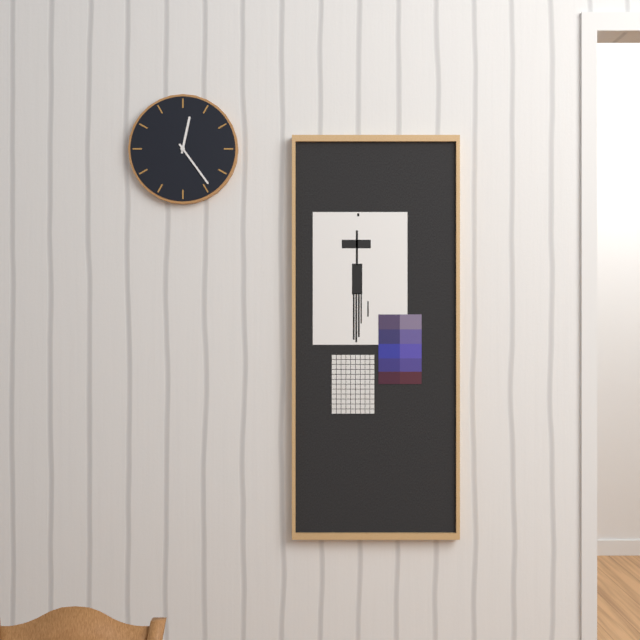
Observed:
12.24
